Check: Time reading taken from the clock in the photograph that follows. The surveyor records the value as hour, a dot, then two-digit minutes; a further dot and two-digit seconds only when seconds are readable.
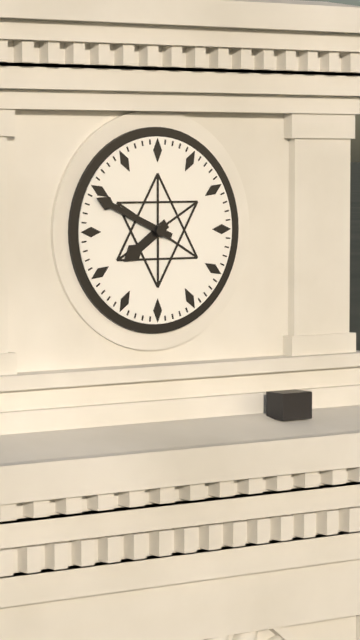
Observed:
7.49
